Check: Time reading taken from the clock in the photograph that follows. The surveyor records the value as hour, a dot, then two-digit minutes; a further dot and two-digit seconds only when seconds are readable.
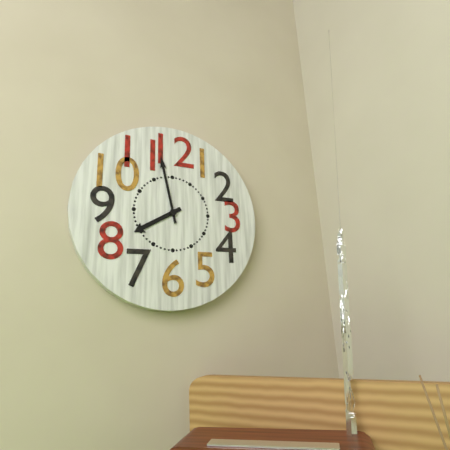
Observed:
7.58
